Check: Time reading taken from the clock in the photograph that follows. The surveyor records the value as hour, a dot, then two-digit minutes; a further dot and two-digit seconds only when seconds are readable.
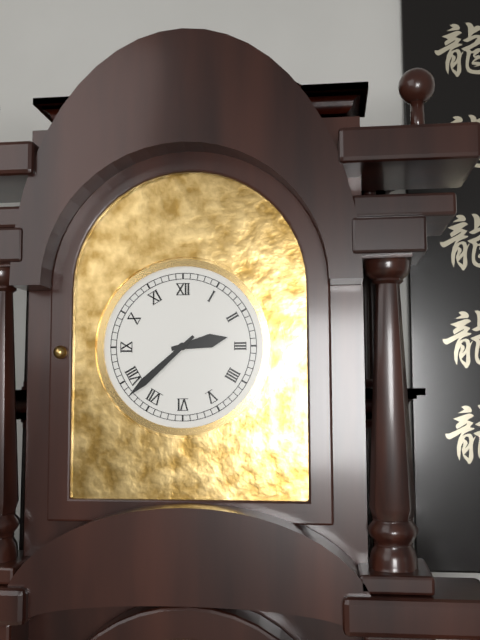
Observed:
2.38
